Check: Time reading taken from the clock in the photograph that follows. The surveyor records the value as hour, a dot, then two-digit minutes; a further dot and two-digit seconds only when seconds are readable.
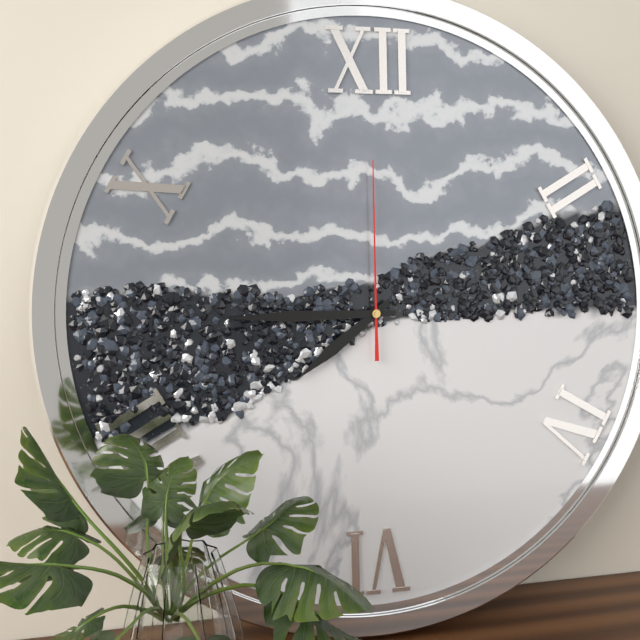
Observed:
7.45.00
